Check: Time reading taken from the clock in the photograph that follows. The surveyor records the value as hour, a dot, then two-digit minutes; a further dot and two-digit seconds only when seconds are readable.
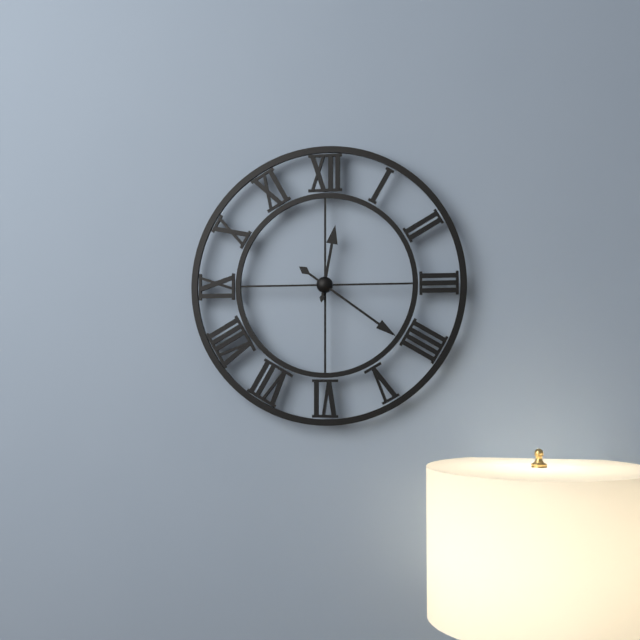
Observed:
12.21
